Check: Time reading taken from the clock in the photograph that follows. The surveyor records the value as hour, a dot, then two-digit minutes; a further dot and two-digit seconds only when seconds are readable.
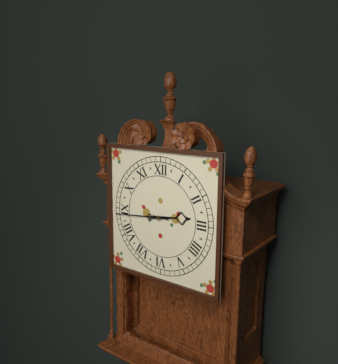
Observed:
2.44
